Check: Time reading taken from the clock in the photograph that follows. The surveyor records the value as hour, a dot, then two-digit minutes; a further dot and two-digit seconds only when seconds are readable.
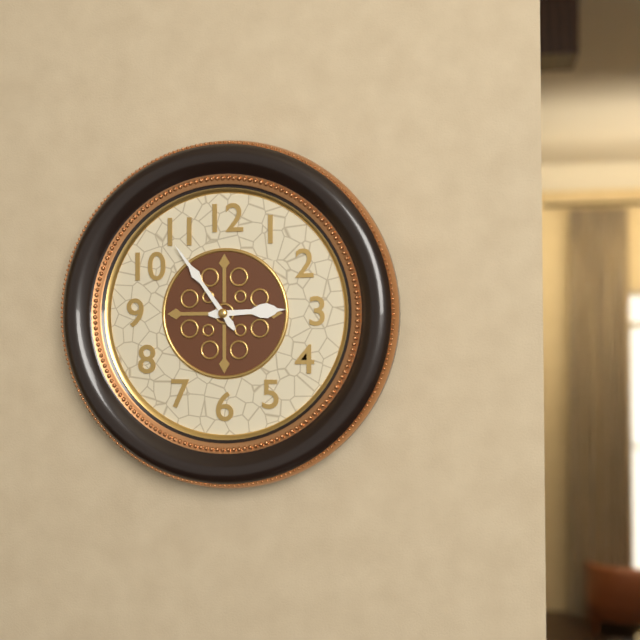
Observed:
2.54
